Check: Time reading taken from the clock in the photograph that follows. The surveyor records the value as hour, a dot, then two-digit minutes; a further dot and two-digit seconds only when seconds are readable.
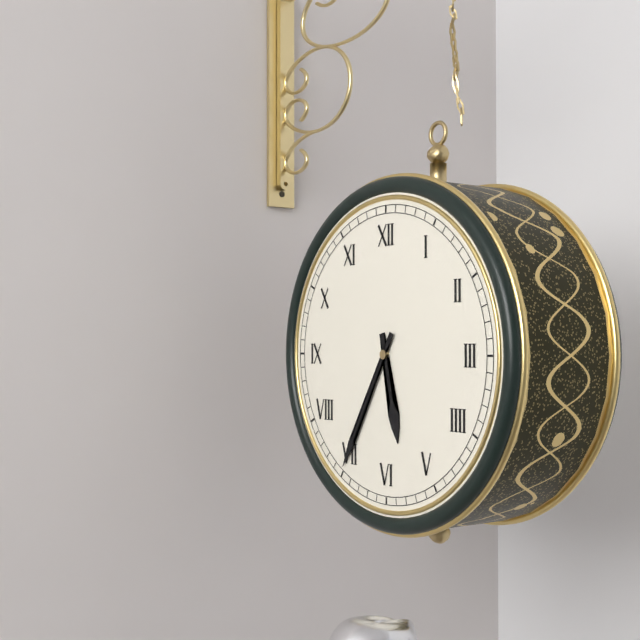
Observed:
5.35
